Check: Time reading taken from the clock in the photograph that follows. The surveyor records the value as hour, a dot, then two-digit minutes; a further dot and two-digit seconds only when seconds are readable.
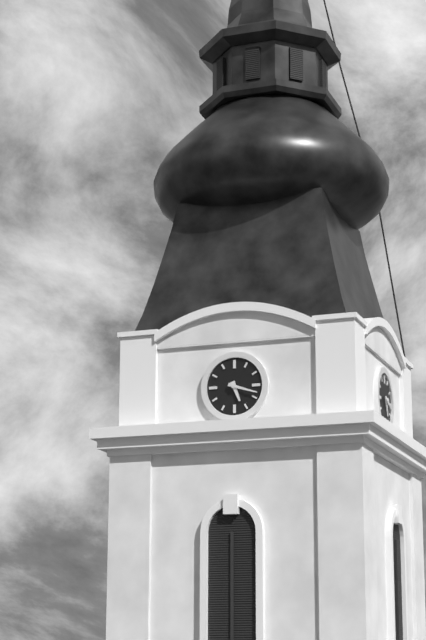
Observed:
5.18
